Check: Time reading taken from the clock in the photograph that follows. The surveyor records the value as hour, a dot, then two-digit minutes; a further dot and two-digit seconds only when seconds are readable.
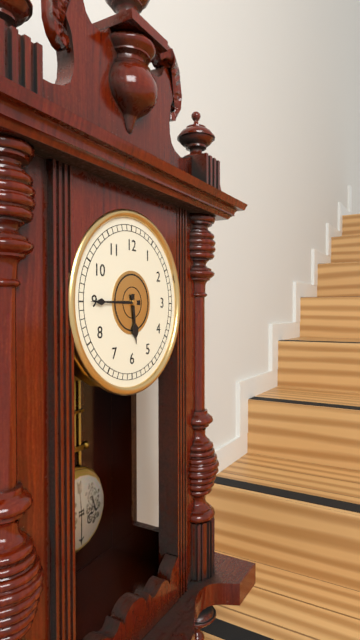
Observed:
5.45
